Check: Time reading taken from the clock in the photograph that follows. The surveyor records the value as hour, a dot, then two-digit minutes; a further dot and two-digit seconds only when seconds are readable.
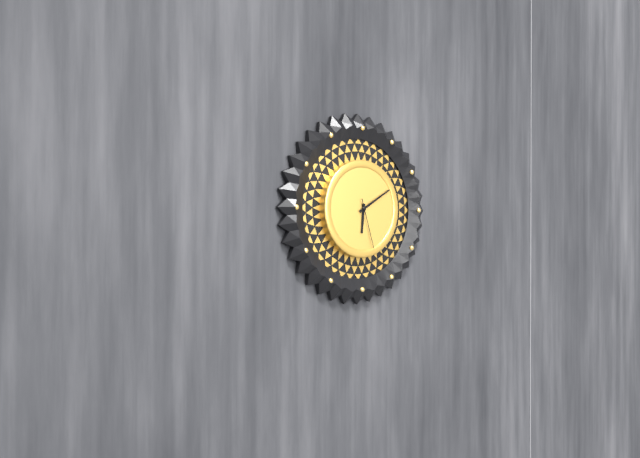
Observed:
6.10.27
